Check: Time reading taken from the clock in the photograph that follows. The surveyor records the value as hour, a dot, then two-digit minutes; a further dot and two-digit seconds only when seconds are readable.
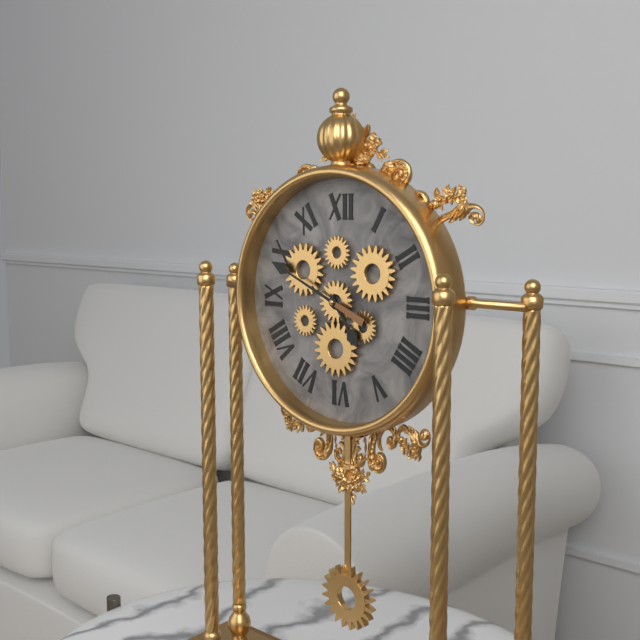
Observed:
4.49
